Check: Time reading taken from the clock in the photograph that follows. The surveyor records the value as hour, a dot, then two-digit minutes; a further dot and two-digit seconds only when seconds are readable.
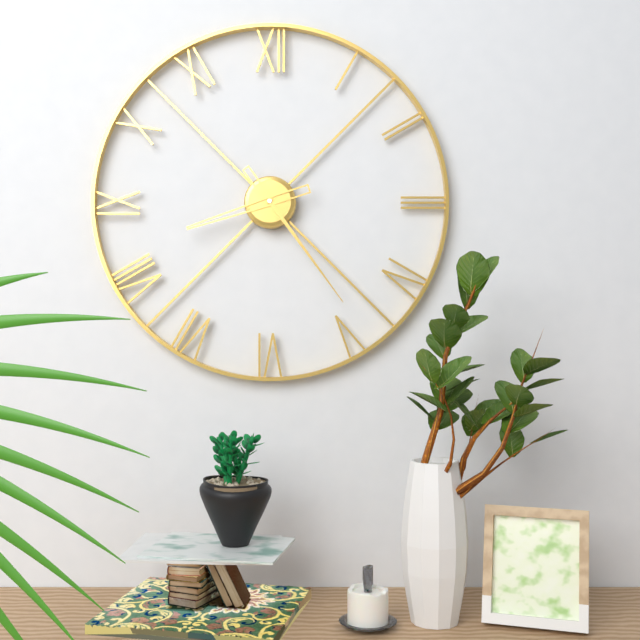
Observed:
8.24
